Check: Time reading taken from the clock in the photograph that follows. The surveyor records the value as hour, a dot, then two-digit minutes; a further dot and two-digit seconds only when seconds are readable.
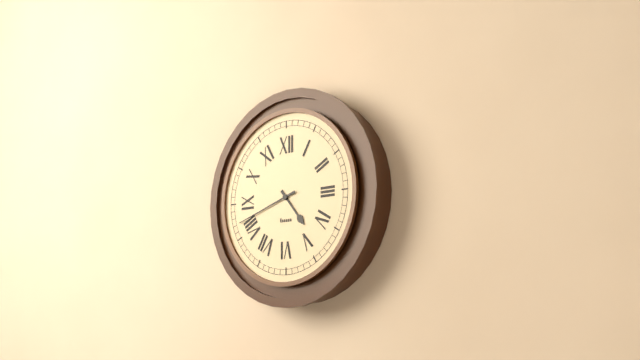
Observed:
4.42
